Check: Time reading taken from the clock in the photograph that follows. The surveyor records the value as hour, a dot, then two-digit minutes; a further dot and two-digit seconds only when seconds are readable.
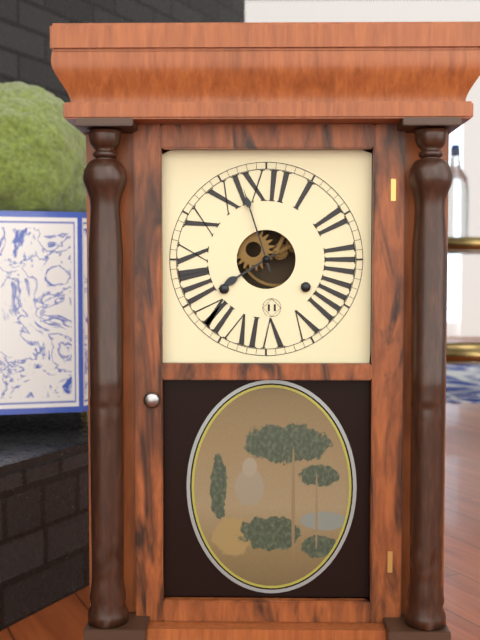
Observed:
7.57
